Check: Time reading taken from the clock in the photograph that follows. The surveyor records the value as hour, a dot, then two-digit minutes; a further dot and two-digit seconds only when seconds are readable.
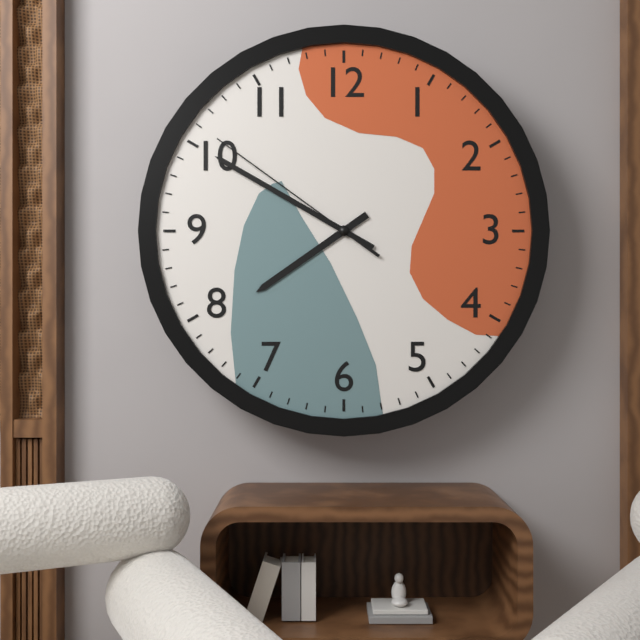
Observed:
7.50.51
